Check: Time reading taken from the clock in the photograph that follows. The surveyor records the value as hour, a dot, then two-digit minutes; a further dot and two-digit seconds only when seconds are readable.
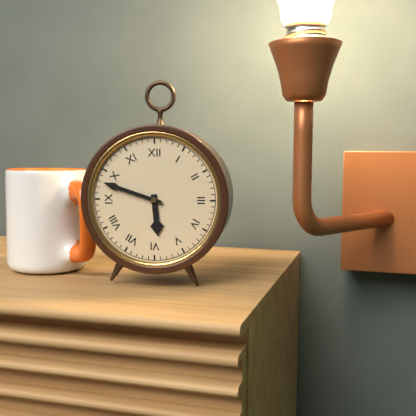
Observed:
5.48
